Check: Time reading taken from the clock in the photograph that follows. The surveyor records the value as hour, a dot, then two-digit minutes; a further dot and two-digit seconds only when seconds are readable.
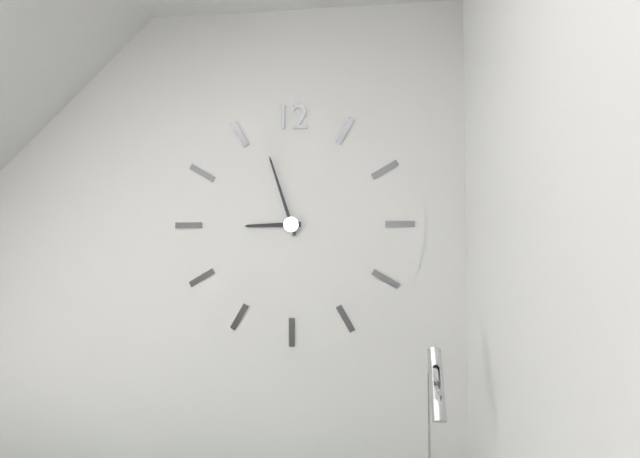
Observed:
8.57
